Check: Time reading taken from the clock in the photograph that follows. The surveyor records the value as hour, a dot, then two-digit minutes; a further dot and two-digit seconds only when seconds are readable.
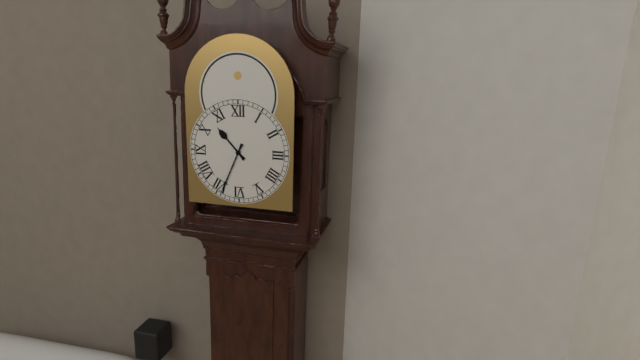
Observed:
10.34
